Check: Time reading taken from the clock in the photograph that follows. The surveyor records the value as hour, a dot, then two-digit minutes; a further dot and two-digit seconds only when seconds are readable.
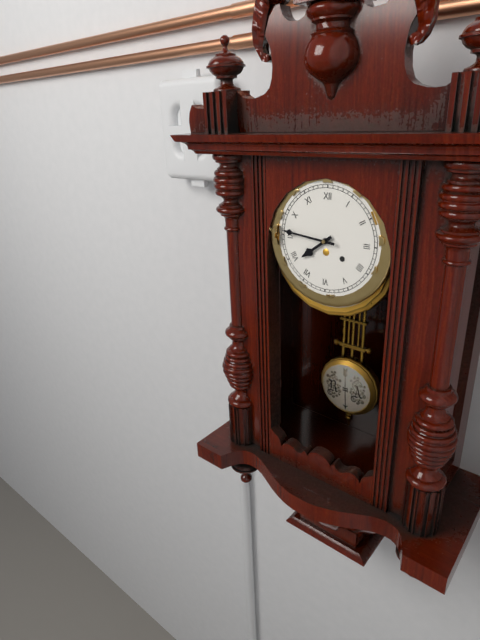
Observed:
7.46
